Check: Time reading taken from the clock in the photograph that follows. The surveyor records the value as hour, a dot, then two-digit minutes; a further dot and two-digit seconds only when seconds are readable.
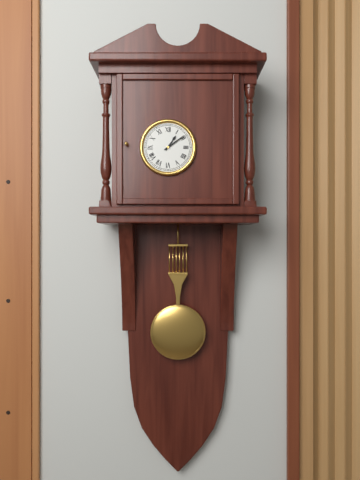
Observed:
1.09
